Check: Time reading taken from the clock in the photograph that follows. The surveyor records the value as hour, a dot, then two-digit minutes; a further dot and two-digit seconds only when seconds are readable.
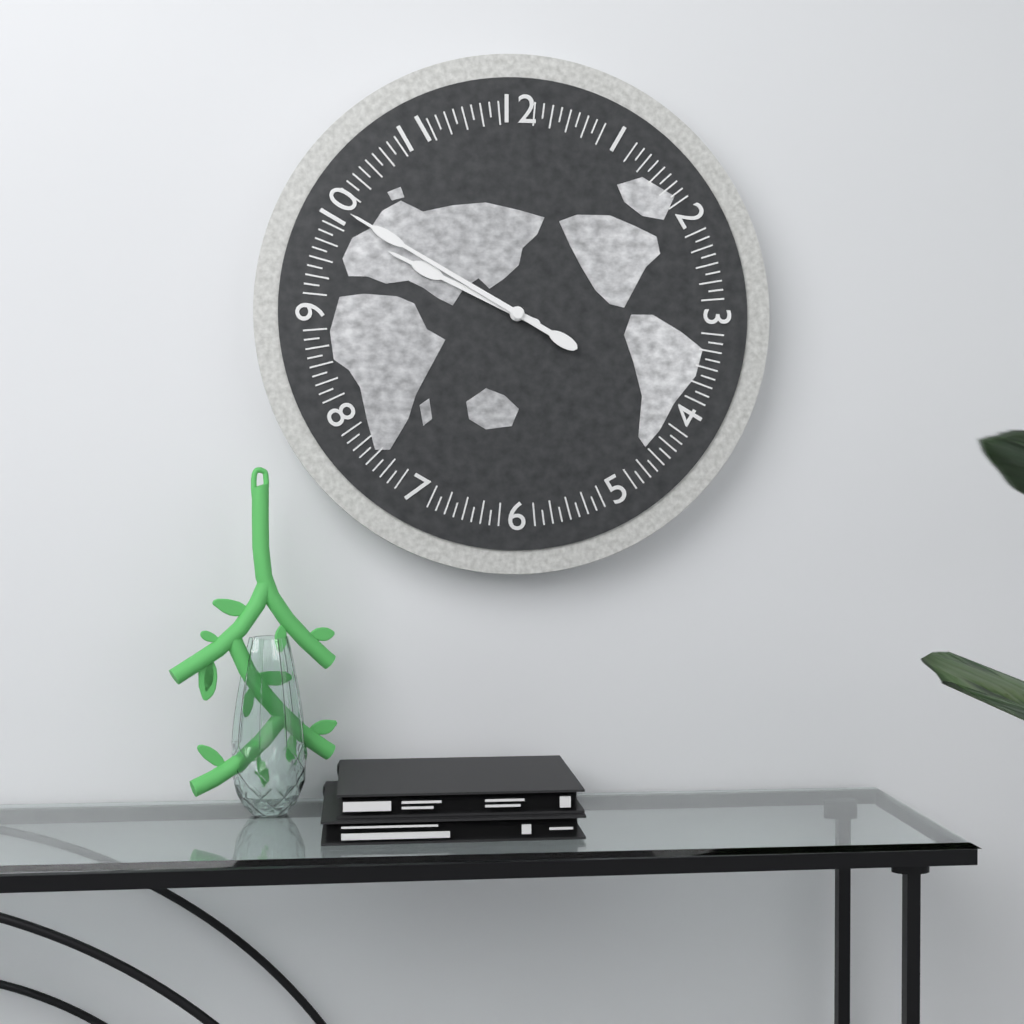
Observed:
9.50
